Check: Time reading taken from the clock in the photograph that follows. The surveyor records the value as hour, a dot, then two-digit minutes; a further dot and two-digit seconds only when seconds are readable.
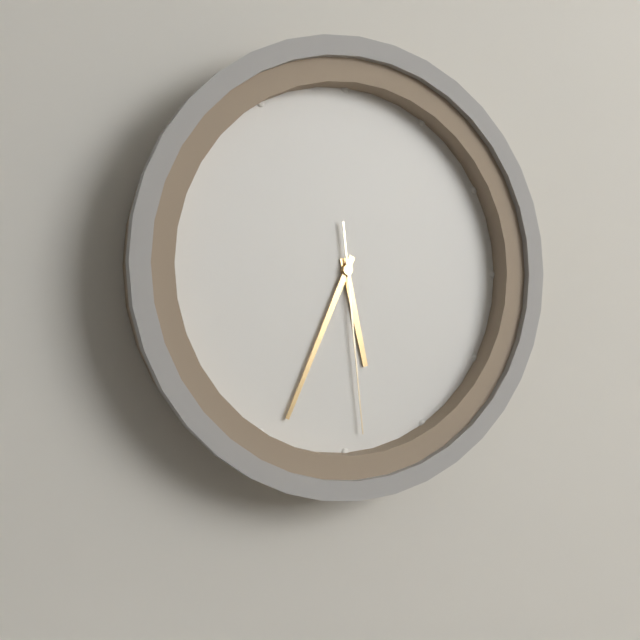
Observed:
5.34.29
